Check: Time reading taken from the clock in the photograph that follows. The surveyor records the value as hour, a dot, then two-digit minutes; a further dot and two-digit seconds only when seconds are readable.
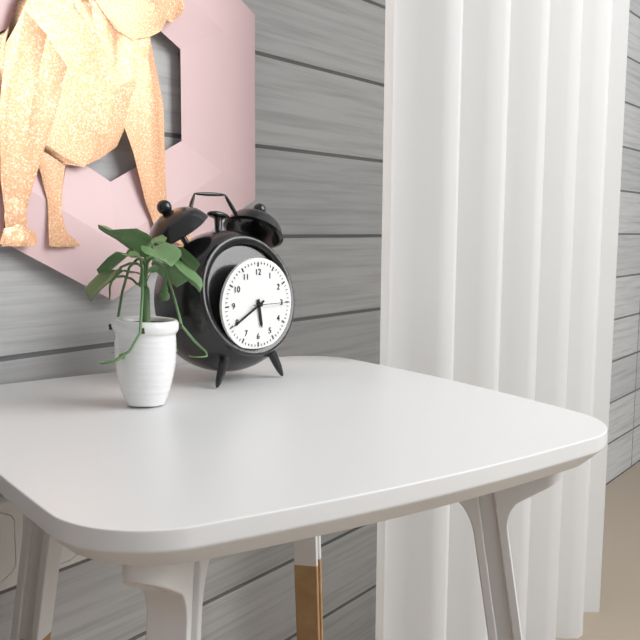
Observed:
5.40
